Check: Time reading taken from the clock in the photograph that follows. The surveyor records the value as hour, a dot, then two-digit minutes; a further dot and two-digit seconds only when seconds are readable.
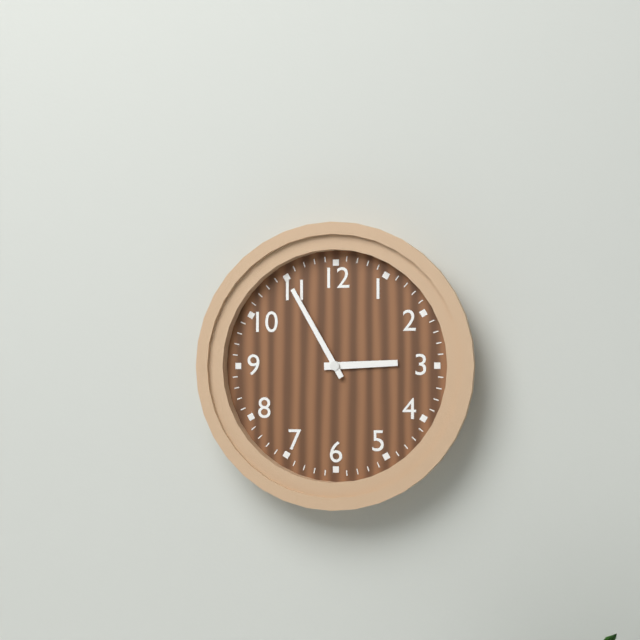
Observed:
2.55
